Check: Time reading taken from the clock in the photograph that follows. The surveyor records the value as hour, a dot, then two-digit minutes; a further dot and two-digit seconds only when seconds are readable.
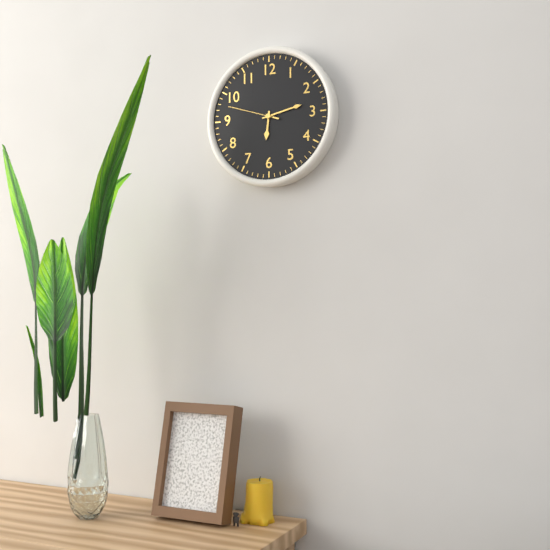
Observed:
6.13.48
